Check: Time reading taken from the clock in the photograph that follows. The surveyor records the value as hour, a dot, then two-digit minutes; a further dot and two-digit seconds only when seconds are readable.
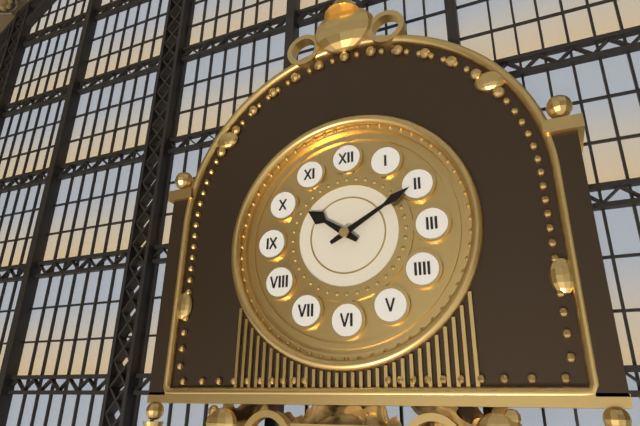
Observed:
10.10
